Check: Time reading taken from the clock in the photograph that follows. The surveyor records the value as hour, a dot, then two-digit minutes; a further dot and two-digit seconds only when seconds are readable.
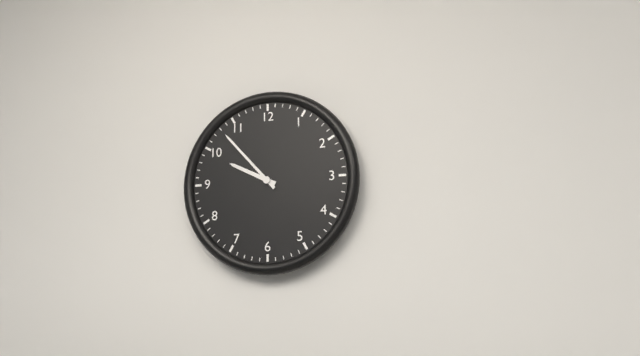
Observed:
9.53
